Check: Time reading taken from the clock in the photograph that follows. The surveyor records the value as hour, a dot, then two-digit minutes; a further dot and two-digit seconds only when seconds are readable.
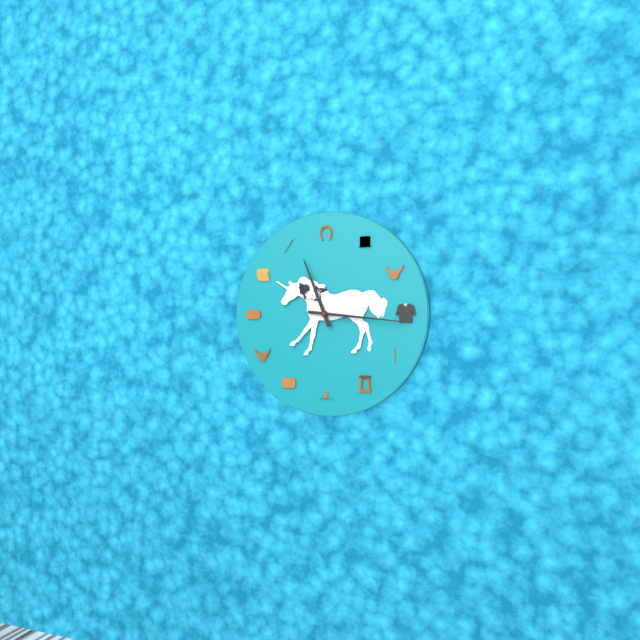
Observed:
11.16
